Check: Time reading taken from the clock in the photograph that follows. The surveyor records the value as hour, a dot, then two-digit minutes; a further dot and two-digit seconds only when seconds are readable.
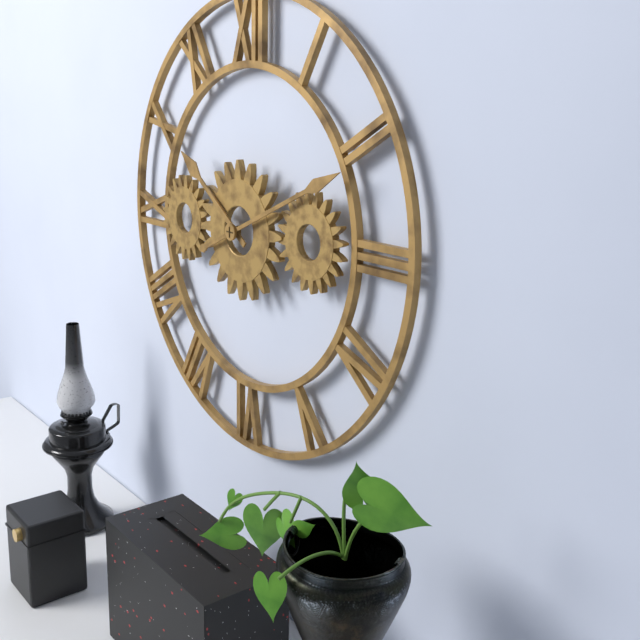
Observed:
10.11
